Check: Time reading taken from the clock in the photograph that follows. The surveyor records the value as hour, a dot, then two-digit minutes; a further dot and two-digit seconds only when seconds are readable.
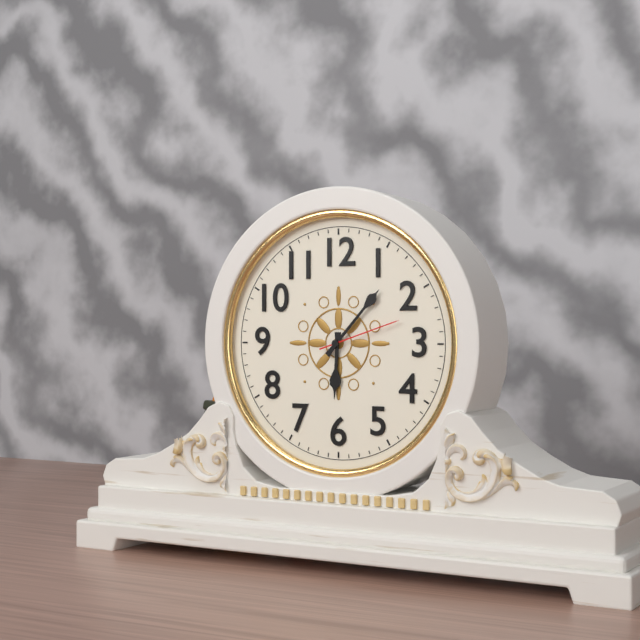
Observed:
6.07.12
